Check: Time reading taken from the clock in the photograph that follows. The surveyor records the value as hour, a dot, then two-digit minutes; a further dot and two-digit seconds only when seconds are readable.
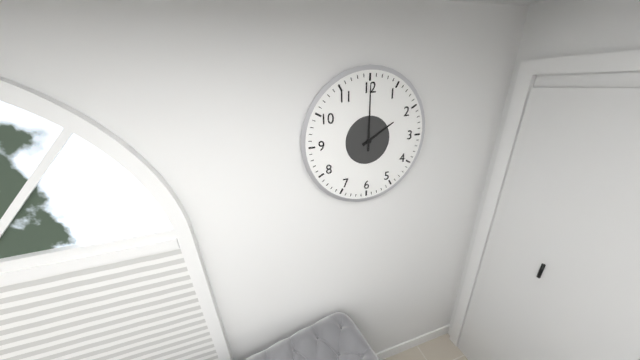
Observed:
2.00
